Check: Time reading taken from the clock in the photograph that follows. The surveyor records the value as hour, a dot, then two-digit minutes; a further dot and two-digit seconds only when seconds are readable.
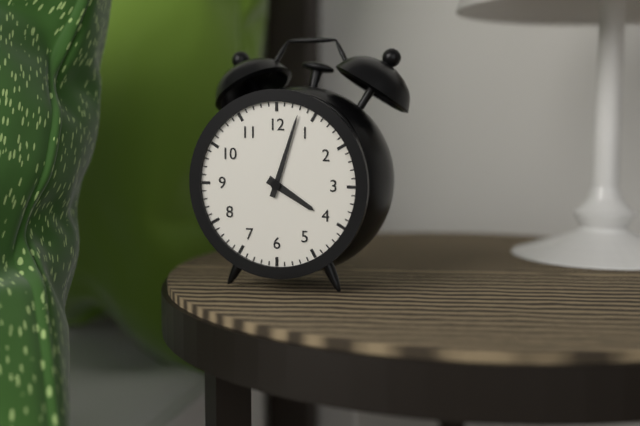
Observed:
4.03
